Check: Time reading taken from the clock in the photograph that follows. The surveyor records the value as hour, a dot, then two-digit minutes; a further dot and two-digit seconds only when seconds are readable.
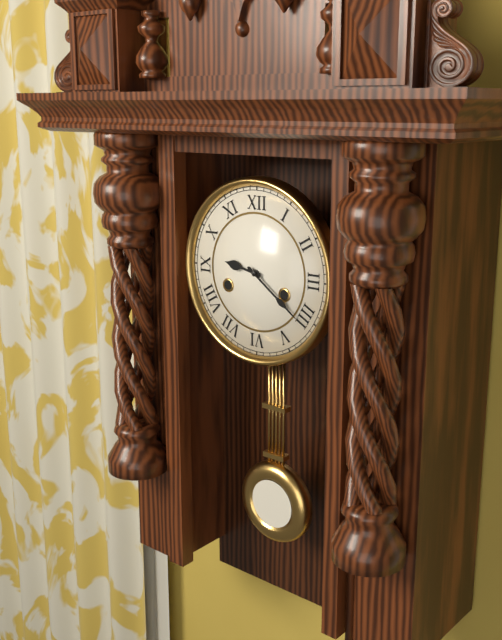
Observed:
9.21
